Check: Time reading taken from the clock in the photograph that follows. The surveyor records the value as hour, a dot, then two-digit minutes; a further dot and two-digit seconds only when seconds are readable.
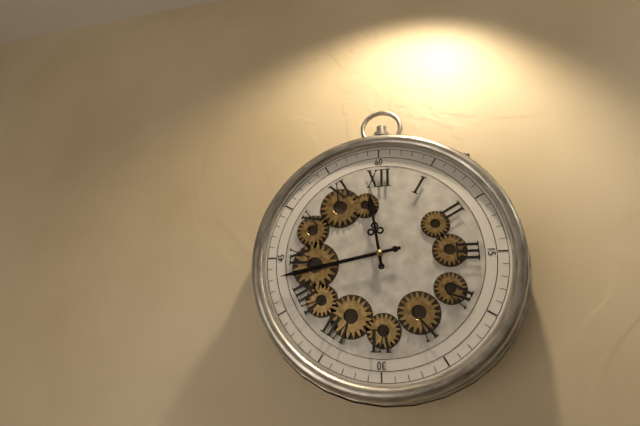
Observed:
11.43
